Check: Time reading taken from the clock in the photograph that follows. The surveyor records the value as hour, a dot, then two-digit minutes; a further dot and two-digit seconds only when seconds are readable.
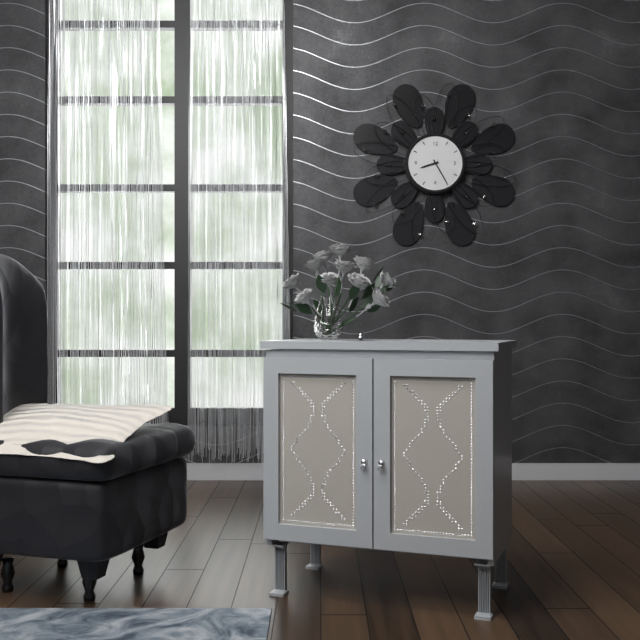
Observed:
8.25
